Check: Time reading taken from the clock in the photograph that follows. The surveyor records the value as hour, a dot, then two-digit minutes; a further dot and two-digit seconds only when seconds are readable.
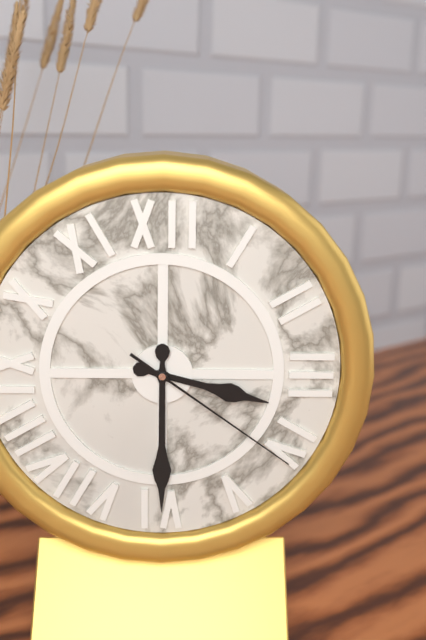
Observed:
3.30.21
